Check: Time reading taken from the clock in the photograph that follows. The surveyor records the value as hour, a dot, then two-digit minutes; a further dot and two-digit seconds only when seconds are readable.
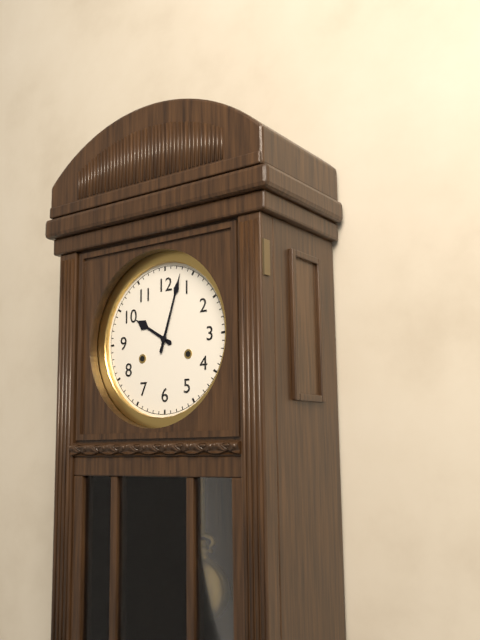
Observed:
10.03
